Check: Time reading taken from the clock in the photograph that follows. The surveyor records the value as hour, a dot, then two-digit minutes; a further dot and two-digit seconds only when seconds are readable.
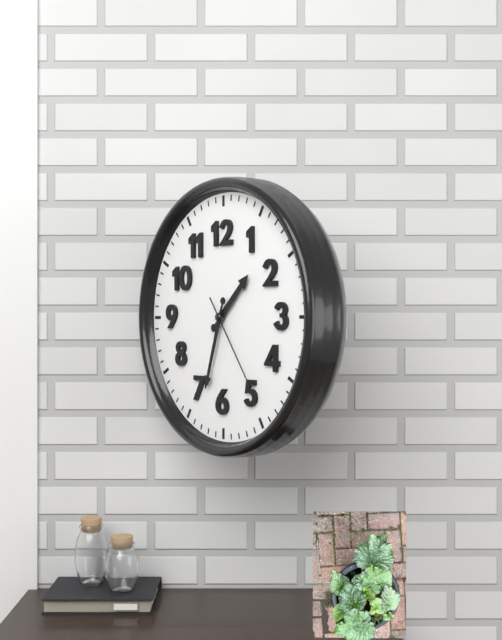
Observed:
1.33.24
